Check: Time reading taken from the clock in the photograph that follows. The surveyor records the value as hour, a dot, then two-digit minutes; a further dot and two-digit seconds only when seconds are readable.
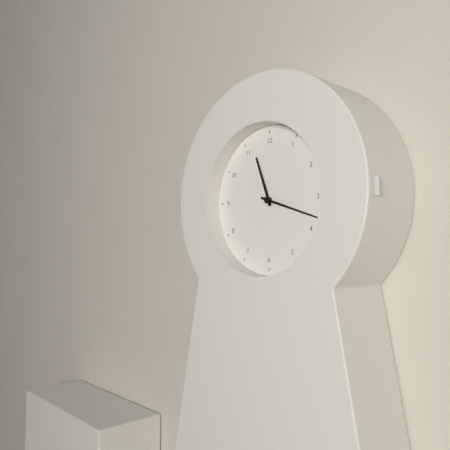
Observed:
11.18
